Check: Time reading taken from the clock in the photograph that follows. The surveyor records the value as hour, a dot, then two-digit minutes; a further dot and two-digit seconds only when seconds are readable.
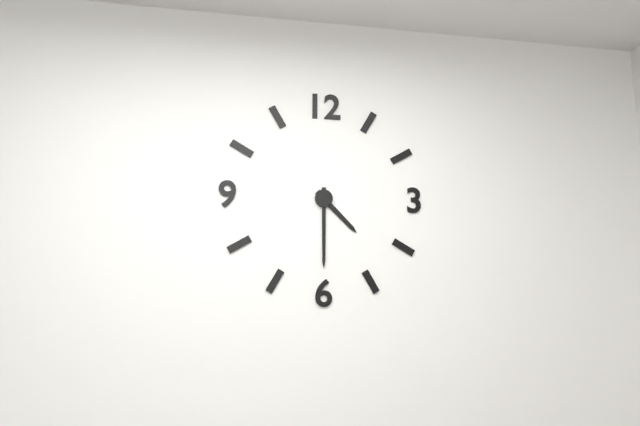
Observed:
4.30
